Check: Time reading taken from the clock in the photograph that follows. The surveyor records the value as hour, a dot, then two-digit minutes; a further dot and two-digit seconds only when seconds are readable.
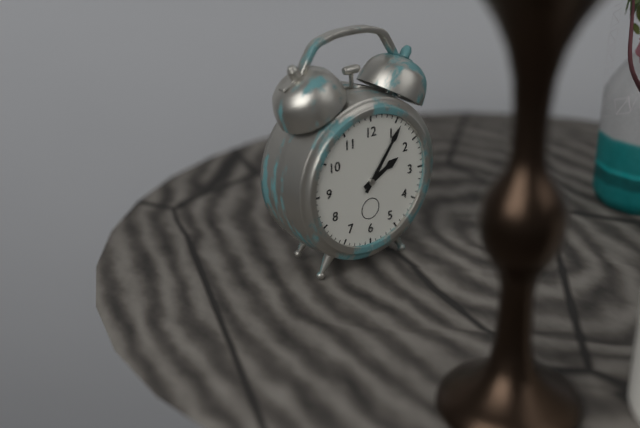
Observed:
2.06
